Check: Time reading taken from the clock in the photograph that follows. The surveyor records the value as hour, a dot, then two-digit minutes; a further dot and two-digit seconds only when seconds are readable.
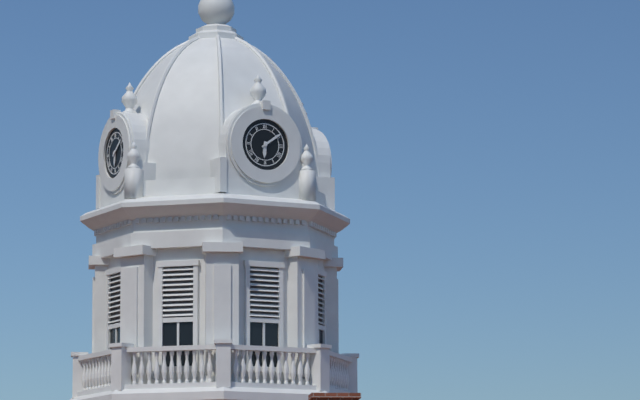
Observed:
6.09
